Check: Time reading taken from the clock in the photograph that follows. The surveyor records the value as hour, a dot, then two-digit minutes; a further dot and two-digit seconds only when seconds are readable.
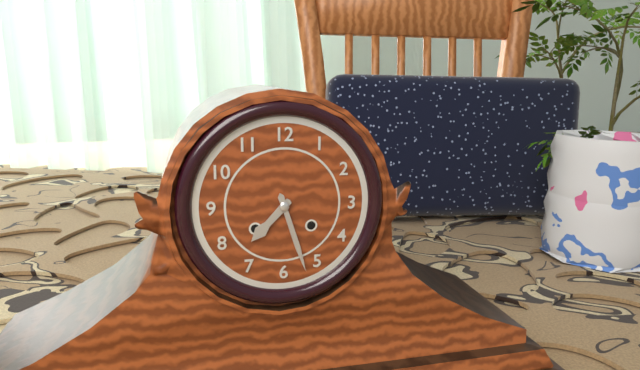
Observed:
7.27
